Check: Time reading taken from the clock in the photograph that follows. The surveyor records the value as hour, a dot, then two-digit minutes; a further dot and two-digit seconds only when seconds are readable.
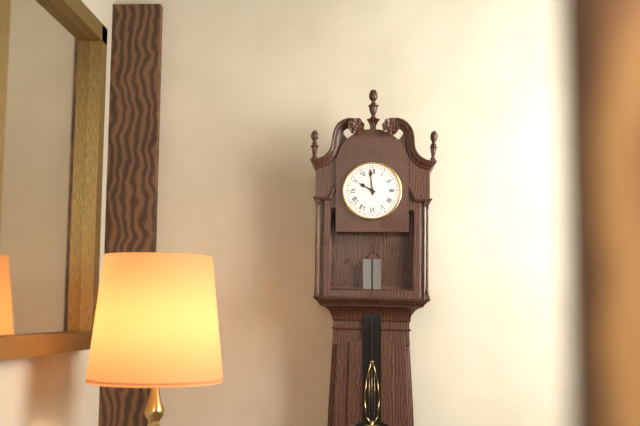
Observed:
9.59
